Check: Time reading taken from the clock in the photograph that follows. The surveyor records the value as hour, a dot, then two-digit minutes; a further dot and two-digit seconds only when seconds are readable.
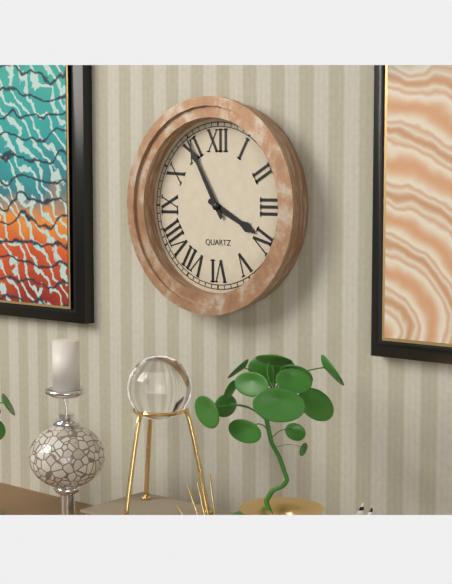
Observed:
3.55
